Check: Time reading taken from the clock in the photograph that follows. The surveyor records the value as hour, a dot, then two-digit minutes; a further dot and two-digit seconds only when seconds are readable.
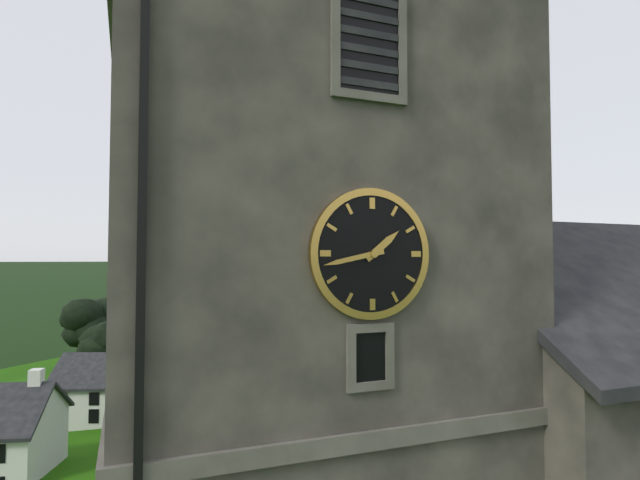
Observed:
1.43
